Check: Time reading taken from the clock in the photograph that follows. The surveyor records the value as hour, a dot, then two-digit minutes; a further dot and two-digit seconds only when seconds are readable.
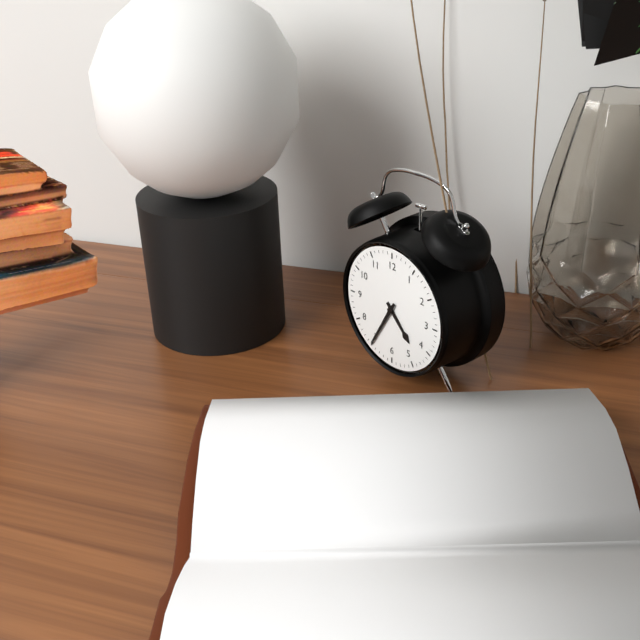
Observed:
4.35
